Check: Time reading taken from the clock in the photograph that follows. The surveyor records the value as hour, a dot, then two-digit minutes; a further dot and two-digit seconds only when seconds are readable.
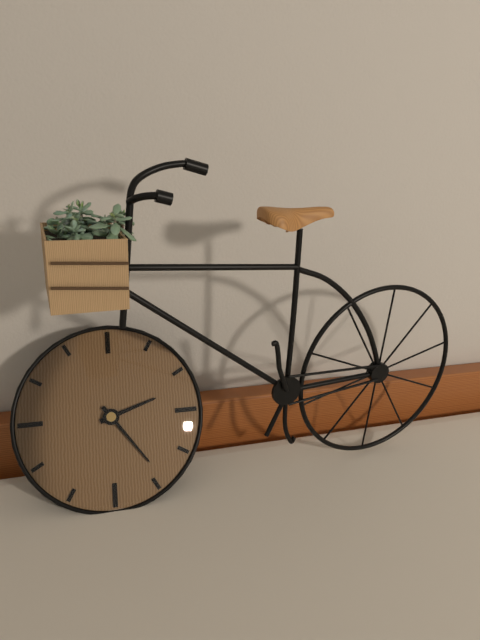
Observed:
2.24
